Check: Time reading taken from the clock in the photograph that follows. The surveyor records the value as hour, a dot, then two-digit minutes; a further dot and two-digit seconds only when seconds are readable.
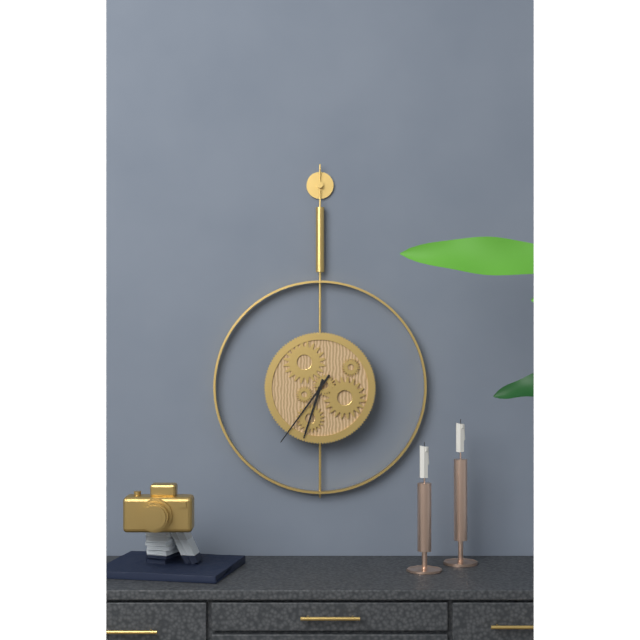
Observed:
6.36
